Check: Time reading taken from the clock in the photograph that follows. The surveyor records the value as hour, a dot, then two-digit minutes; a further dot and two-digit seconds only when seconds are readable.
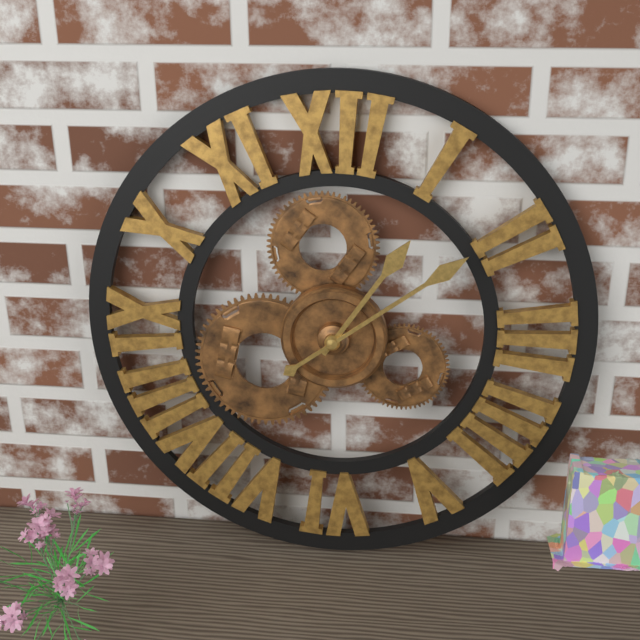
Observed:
1.09
